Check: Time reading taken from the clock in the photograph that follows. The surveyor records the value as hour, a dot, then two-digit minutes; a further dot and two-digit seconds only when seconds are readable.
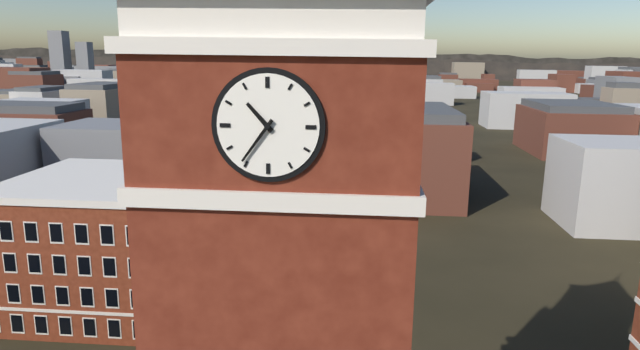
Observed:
10.36
